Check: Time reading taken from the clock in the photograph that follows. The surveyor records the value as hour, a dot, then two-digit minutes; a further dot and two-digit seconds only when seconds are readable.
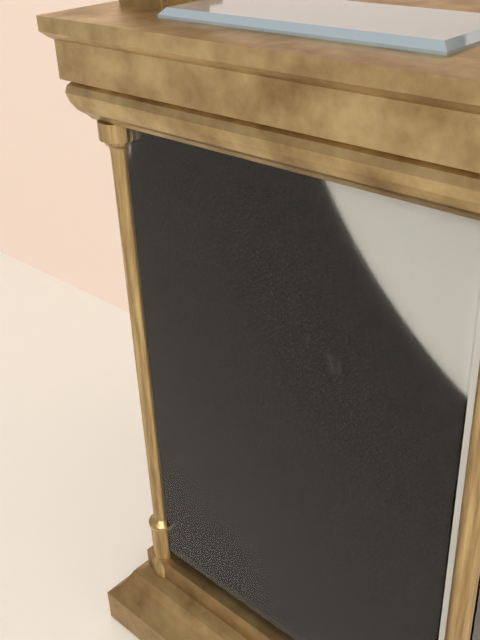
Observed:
2.50
